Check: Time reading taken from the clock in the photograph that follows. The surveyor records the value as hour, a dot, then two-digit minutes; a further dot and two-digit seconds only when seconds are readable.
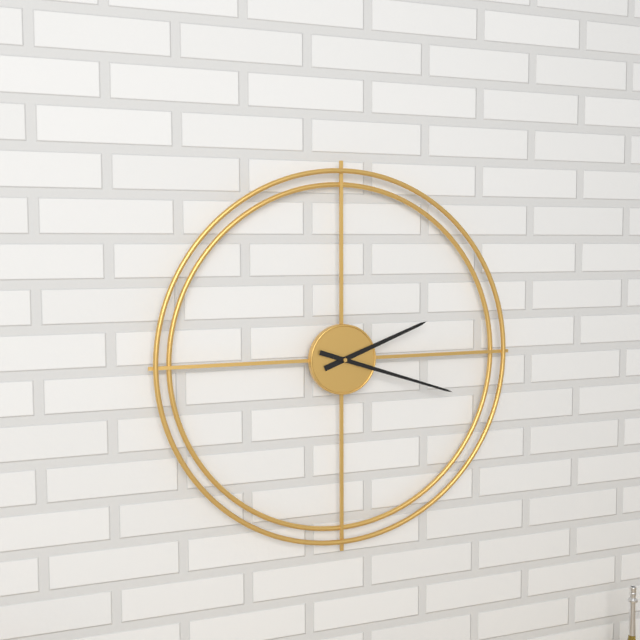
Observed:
2.18
